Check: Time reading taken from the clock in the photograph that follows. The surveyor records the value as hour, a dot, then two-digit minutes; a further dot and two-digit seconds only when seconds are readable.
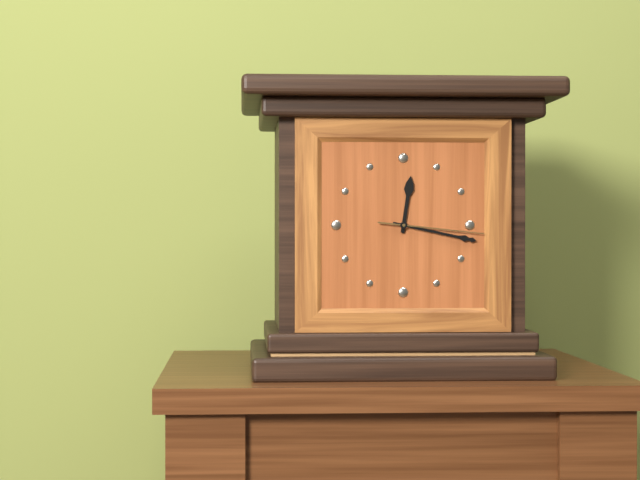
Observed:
12.17.16
